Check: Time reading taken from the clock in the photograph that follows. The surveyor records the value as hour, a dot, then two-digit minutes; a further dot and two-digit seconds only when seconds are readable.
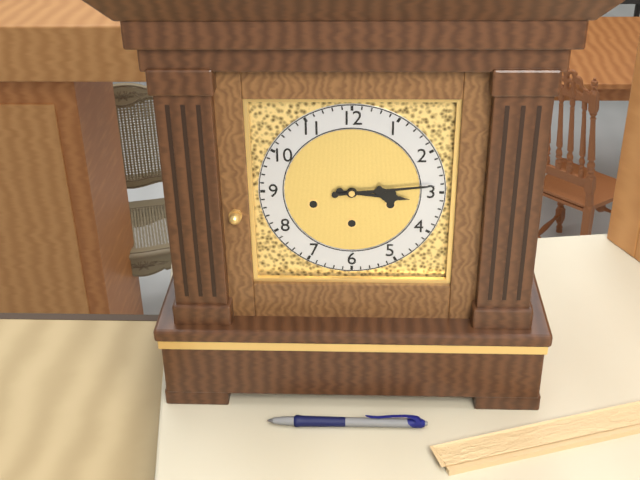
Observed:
3.14
